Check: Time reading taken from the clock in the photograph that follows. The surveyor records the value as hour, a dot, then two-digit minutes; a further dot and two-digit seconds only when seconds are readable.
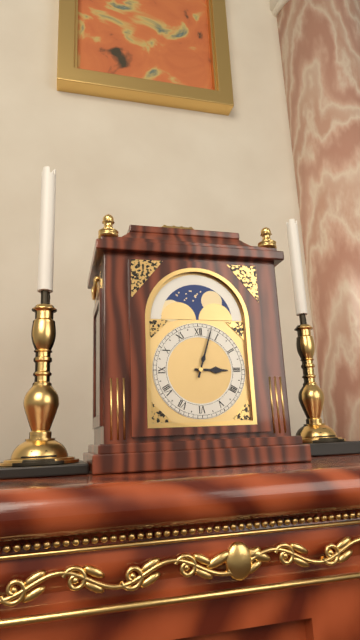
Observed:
3.03
